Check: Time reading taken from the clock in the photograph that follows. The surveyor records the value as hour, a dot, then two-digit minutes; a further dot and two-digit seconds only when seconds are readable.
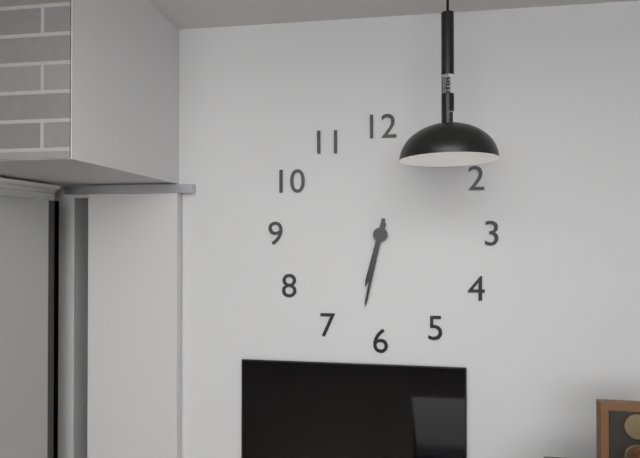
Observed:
6.32
